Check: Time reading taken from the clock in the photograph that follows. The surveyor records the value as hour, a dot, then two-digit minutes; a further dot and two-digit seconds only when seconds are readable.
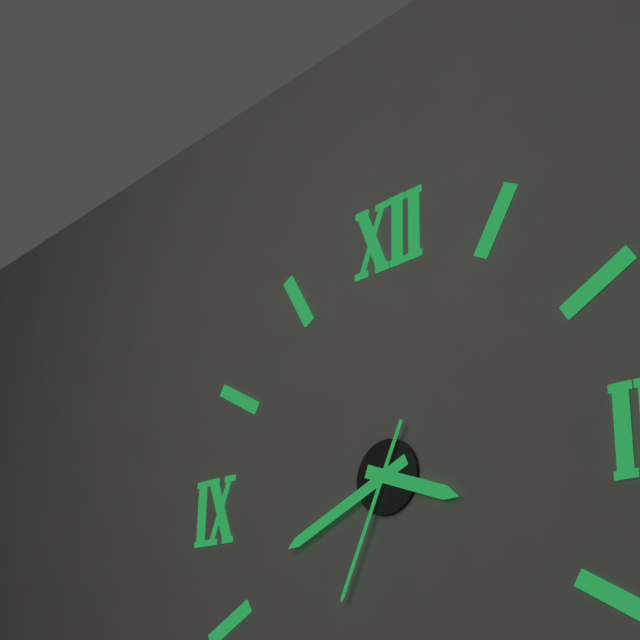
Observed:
3.41.34
